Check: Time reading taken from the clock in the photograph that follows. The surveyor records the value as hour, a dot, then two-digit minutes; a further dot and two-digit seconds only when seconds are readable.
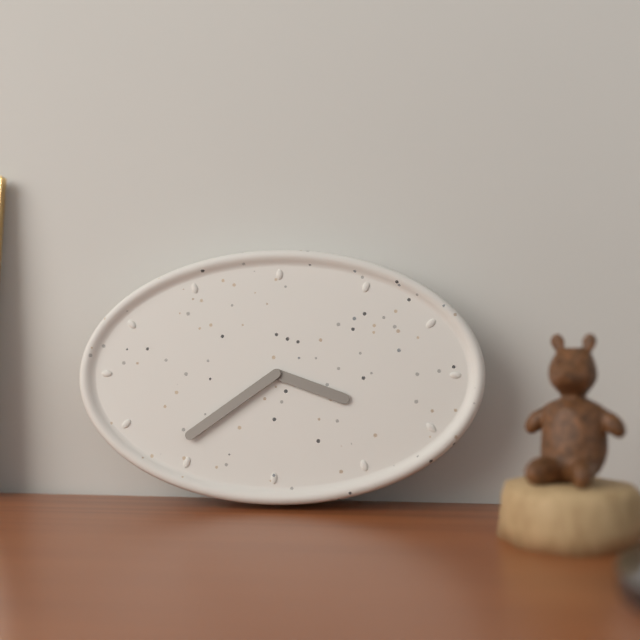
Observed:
3.39
